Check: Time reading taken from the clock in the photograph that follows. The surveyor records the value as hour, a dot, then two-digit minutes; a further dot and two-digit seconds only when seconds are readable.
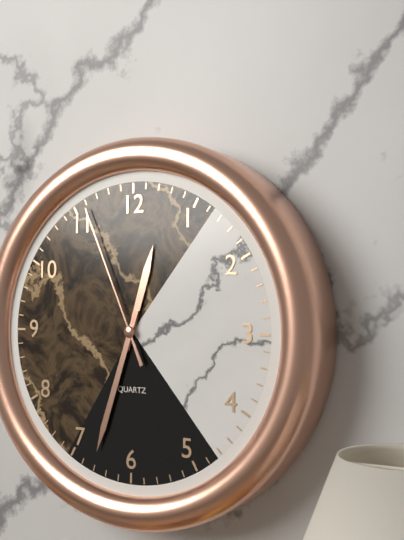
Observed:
12.33.56
